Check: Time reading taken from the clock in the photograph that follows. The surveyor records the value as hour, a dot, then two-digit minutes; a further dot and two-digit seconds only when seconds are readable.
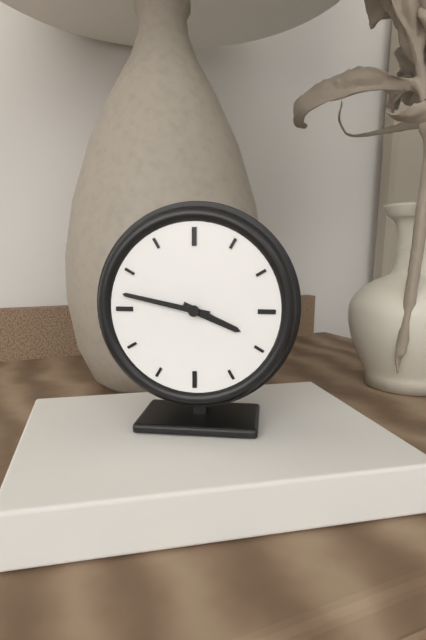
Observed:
3.47
